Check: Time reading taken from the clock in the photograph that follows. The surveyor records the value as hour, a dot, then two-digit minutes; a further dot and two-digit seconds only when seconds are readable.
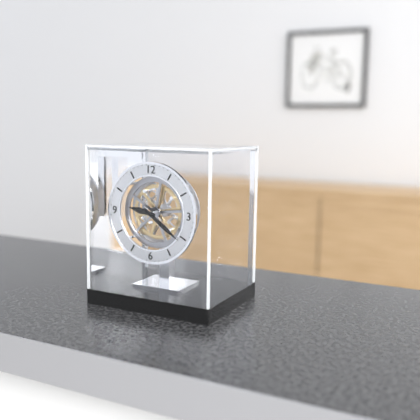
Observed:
9.21
